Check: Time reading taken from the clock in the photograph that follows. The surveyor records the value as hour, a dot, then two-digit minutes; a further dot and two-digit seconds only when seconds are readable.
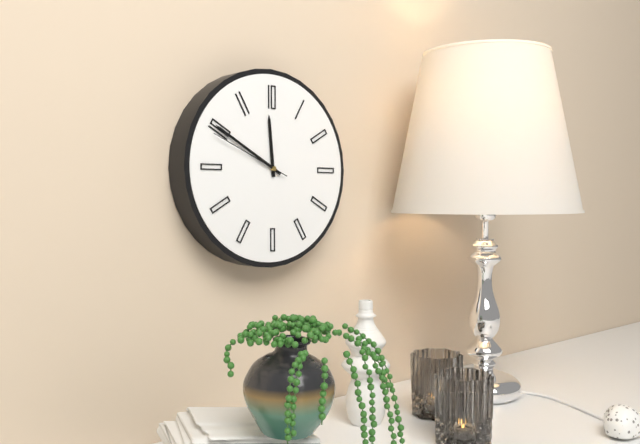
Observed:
11.50.49
